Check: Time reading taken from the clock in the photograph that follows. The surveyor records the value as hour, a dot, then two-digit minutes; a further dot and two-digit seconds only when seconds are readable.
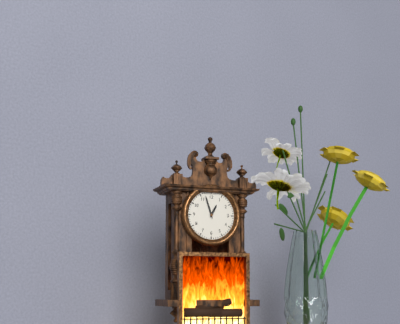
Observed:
12.57
